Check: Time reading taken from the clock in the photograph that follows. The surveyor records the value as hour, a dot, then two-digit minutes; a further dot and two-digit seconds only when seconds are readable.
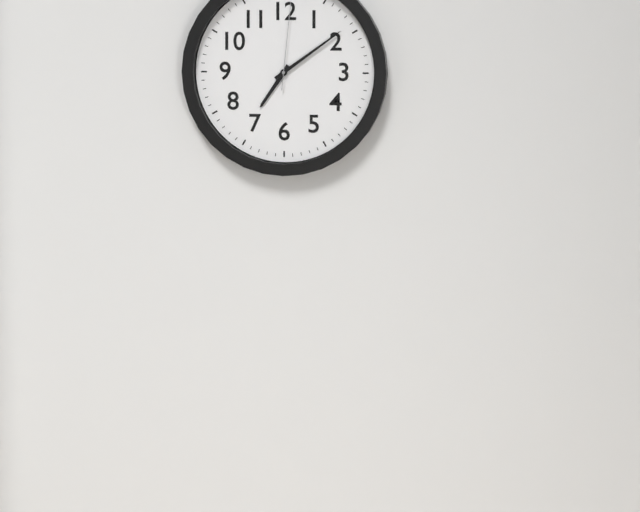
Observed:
7.09
